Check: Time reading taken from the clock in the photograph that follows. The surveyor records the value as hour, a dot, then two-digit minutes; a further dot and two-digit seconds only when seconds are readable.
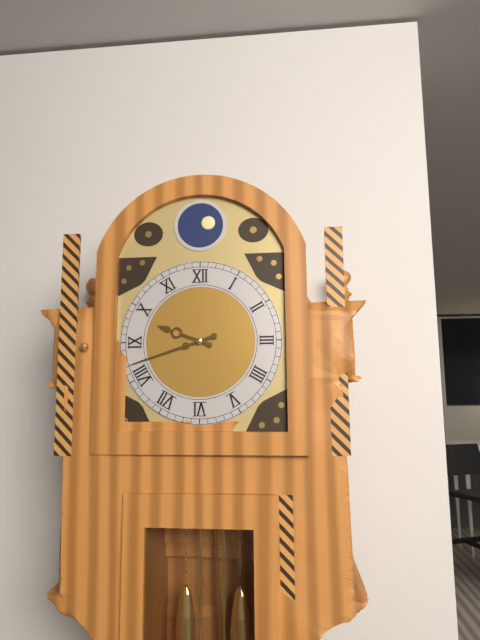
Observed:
9.42
